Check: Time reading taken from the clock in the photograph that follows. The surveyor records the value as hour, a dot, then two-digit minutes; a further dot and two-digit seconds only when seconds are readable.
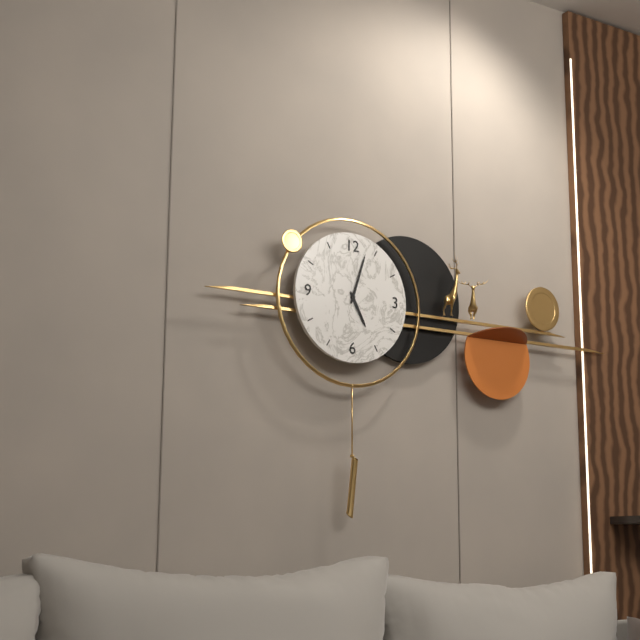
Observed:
5.03
